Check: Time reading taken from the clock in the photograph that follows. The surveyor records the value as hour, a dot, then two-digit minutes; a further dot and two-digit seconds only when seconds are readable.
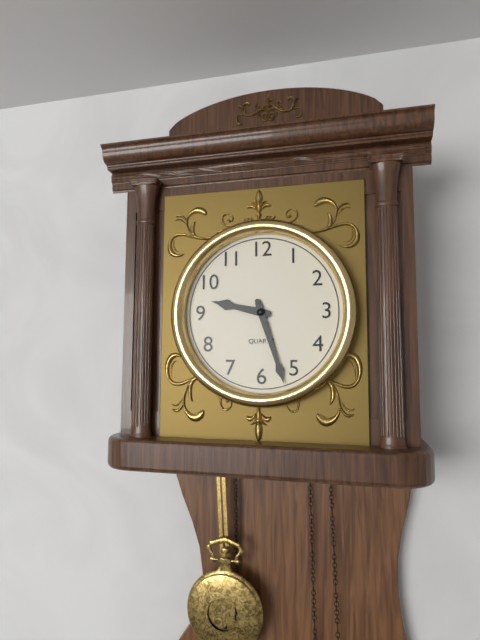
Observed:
9.27
